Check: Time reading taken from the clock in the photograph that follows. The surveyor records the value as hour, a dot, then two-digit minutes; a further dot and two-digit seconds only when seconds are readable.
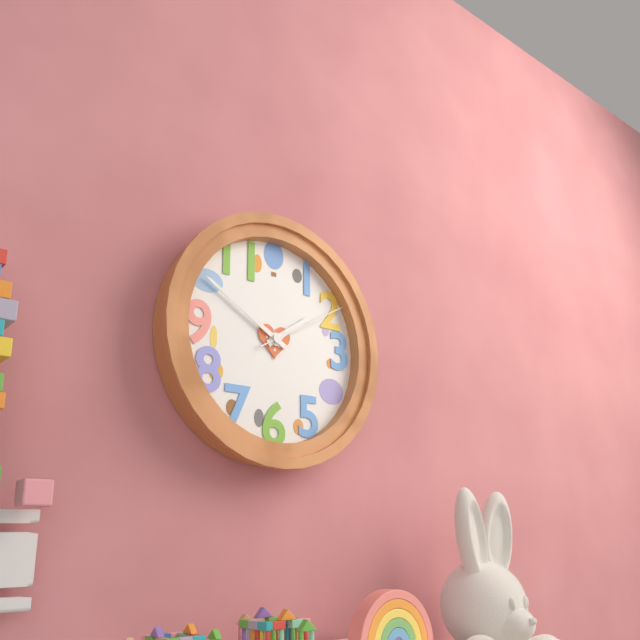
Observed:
1.50.10
